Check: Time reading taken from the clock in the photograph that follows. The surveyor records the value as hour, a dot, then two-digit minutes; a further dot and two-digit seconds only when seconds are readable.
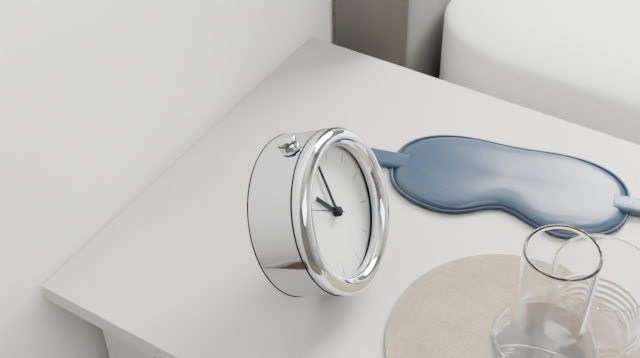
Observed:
11.01
